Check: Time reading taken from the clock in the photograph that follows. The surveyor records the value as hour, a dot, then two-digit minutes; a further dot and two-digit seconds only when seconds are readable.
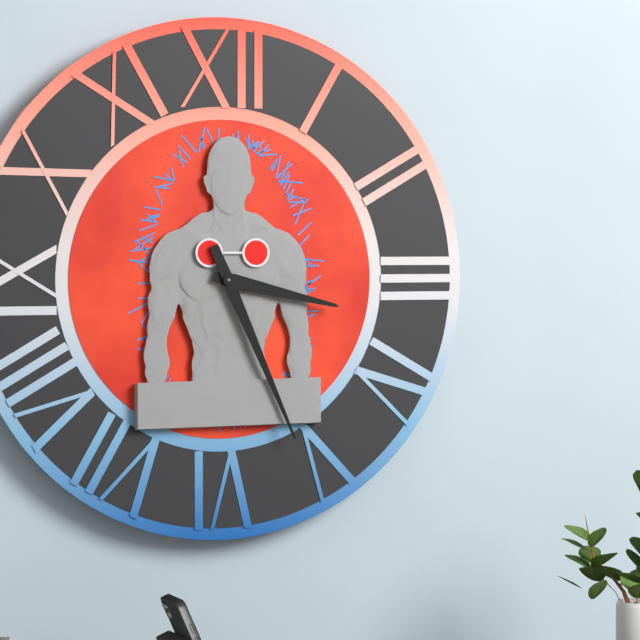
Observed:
3.26
